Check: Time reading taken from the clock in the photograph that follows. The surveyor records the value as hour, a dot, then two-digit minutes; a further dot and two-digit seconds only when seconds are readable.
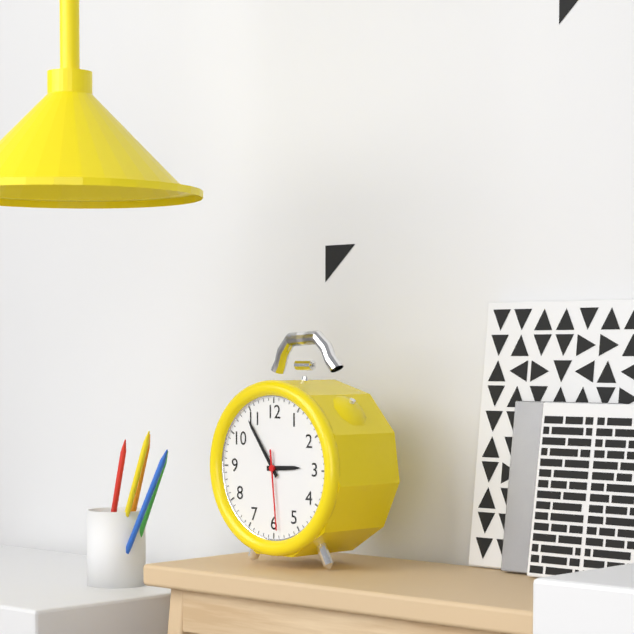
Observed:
2.54.29
